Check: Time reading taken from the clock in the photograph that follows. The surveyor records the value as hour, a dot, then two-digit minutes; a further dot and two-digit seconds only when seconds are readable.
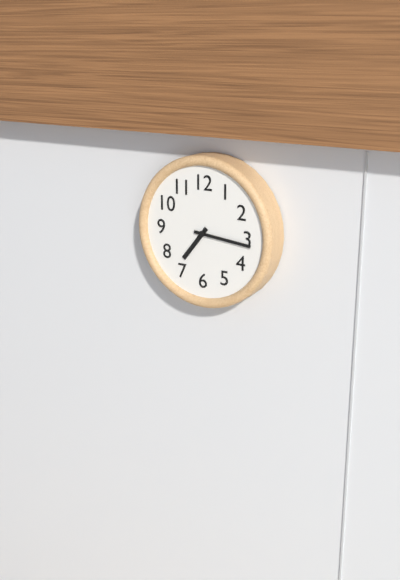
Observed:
7.16
